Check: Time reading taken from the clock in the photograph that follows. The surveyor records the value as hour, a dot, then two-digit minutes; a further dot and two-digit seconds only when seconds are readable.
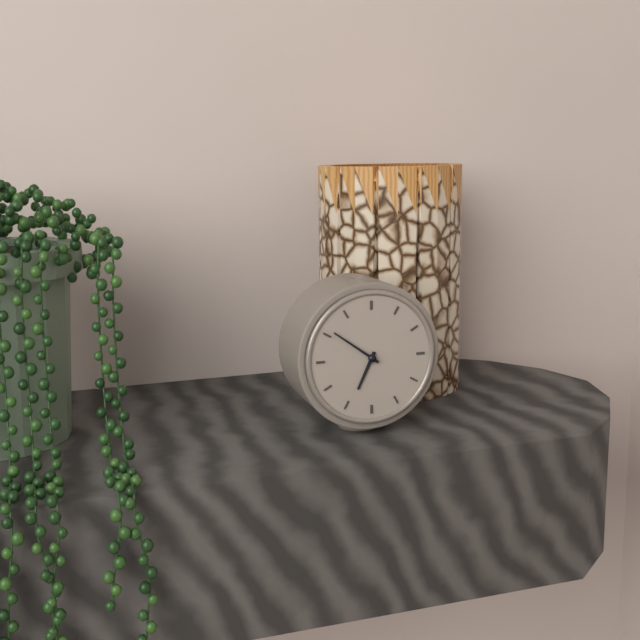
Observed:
6.51
